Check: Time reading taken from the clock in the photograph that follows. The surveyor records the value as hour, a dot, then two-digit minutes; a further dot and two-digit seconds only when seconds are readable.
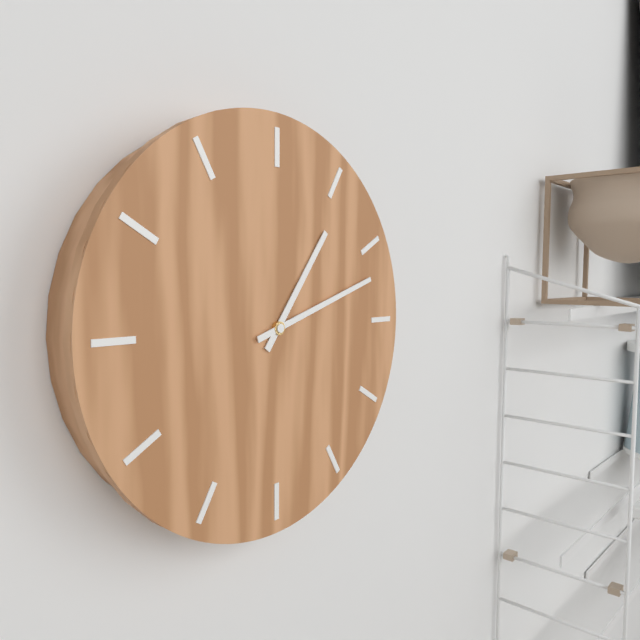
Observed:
1.12
